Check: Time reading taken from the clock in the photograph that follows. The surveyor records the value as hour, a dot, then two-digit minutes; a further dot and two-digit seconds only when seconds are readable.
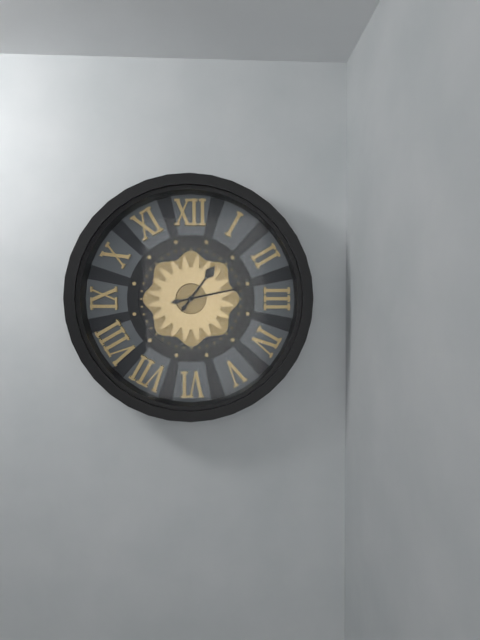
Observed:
1.13
